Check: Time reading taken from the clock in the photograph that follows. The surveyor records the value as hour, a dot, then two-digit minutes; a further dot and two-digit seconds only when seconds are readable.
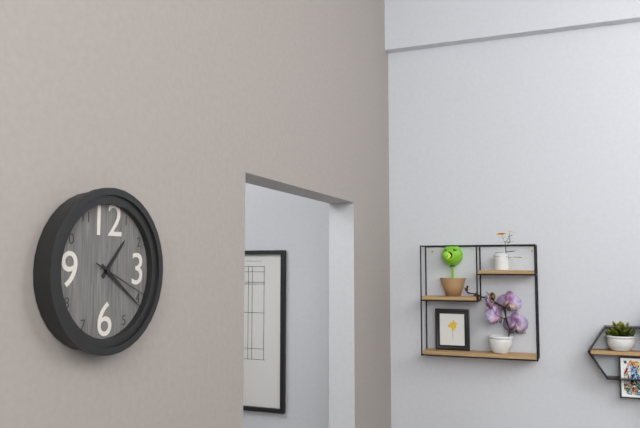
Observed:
1.21.19
